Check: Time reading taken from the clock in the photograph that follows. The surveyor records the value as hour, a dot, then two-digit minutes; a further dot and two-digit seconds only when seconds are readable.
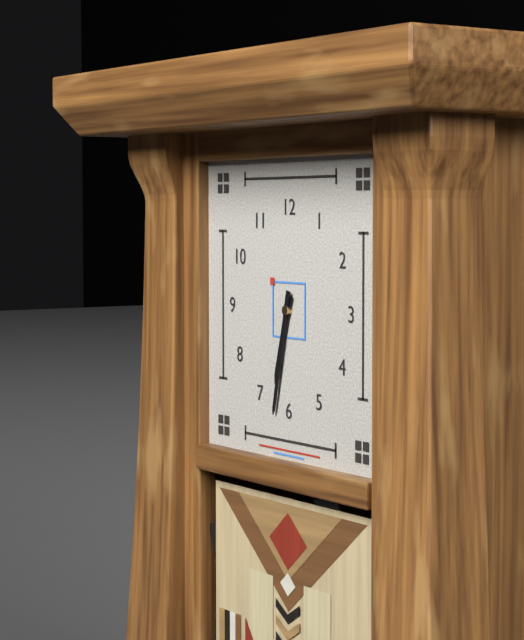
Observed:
6.32
